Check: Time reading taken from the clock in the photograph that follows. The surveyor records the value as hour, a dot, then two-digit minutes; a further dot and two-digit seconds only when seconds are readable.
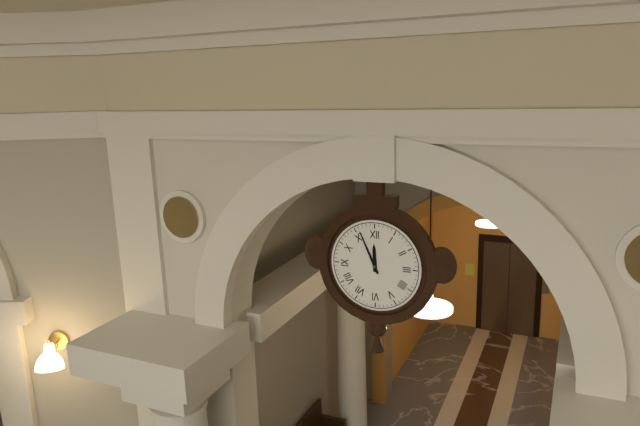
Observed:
11.56
